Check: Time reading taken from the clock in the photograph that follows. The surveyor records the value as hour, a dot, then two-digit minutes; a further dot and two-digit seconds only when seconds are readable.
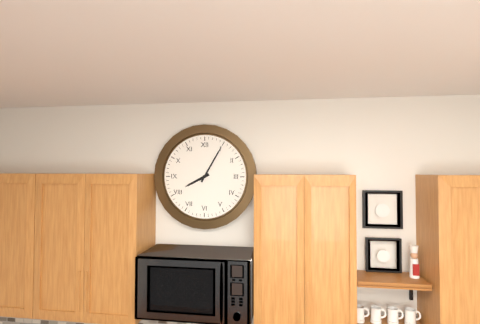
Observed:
8.05
